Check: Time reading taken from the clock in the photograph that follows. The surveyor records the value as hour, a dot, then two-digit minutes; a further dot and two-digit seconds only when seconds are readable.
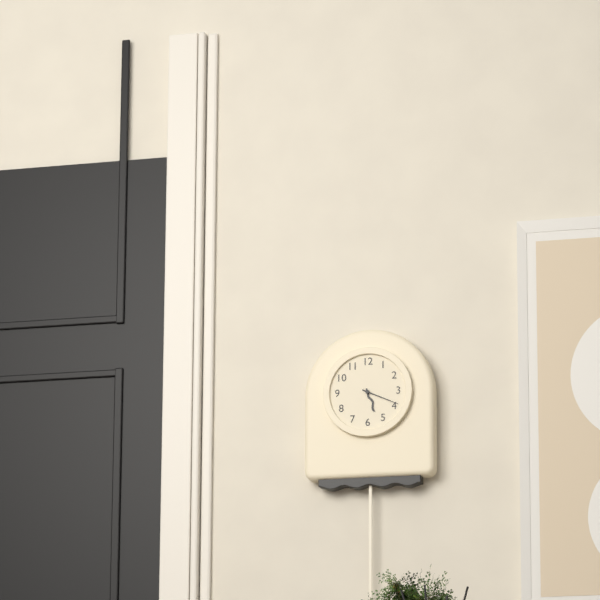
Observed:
5.19
